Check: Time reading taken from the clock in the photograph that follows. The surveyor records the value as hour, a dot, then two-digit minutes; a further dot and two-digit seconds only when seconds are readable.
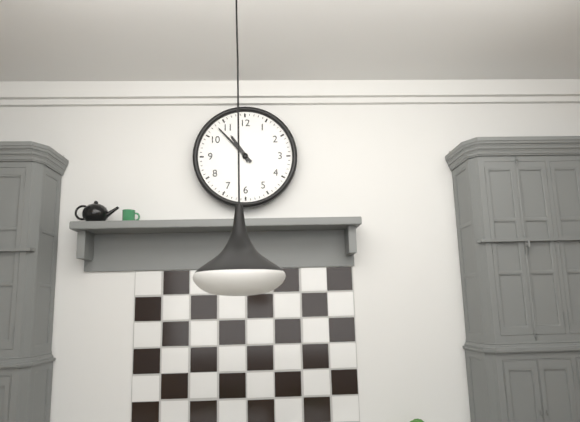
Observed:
10.53
